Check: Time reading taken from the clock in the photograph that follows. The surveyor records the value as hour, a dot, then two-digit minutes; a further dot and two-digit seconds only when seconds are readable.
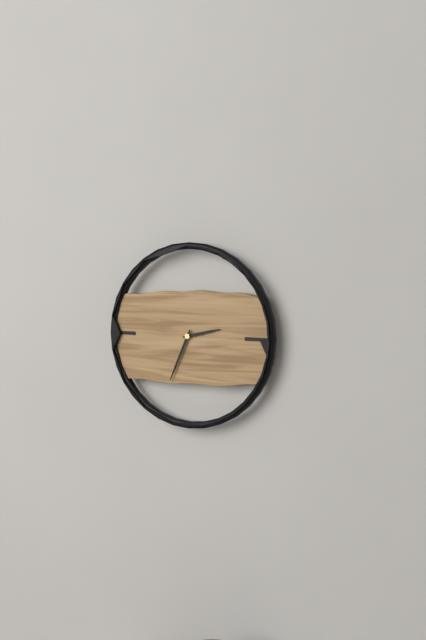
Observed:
2.34
